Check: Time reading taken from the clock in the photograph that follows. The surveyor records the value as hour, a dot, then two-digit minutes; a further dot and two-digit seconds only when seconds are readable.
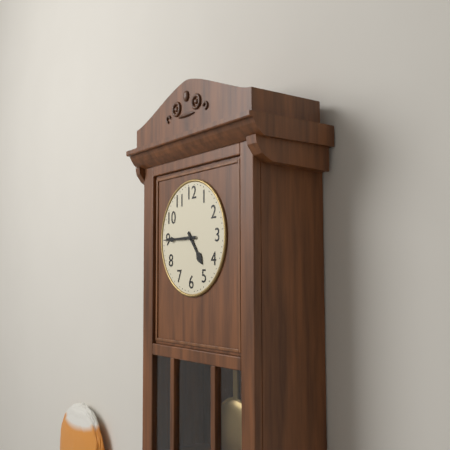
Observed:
4.45
